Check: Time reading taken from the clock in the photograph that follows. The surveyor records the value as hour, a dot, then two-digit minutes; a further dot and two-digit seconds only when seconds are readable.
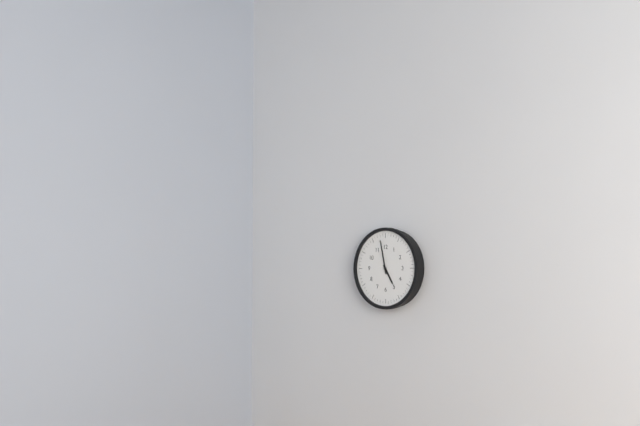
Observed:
4.58
